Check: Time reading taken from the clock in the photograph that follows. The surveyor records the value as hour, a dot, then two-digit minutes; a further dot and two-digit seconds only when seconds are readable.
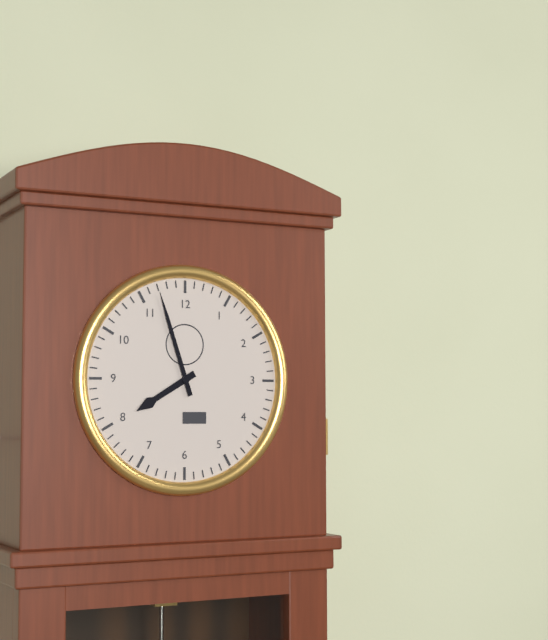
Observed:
7.57
